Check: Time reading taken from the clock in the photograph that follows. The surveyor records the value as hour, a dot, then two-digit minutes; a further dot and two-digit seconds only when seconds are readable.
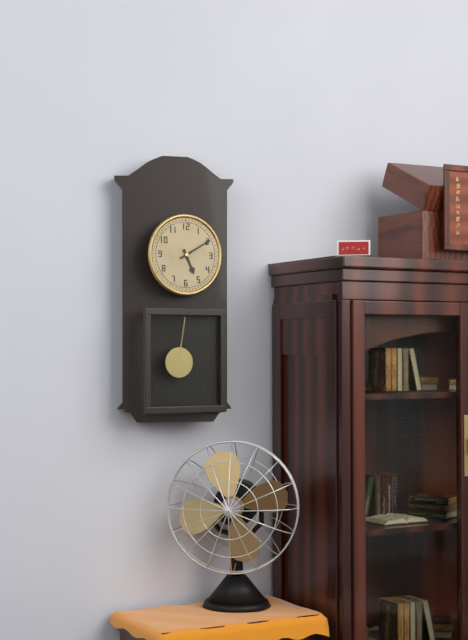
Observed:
5.10
